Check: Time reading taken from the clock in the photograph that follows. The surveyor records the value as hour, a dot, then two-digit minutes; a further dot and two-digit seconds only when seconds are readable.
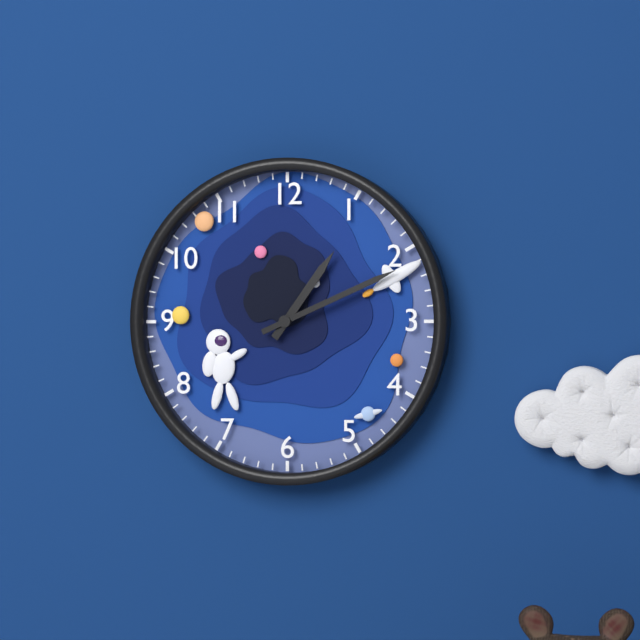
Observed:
1.11
